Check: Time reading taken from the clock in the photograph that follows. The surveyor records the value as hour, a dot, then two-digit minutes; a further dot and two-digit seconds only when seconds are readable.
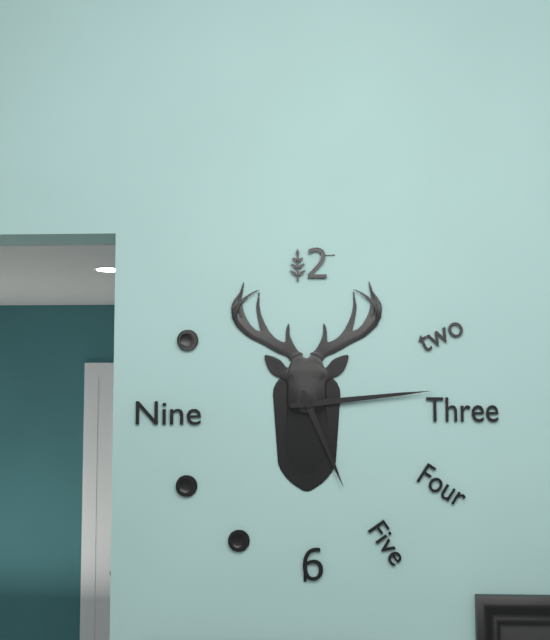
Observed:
5.14
